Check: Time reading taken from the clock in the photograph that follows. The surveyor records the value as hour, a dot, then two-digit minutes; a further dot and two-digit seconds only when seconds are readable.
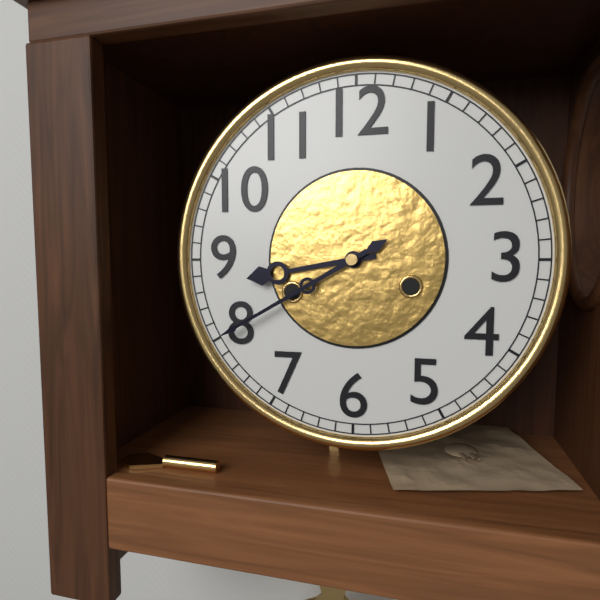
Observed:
8.40
